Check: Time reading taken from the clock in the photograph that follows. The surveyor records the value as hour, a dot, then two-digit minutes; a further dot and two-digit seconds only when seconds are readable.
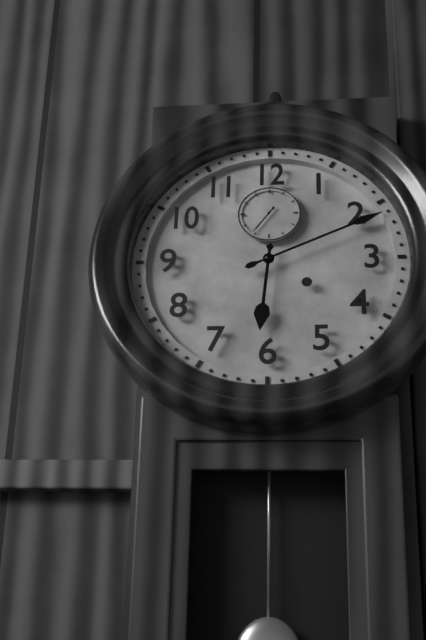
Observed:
6.11
